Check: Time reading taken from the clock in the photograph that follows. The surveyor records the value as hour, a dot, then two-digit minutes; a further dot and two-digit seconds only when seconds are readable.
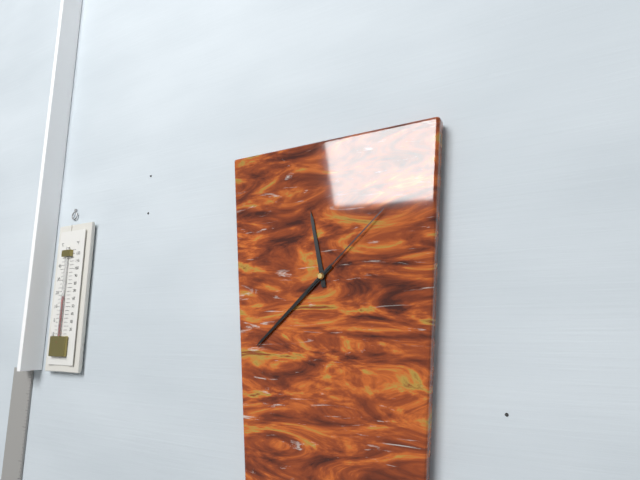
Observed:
11.38.08
